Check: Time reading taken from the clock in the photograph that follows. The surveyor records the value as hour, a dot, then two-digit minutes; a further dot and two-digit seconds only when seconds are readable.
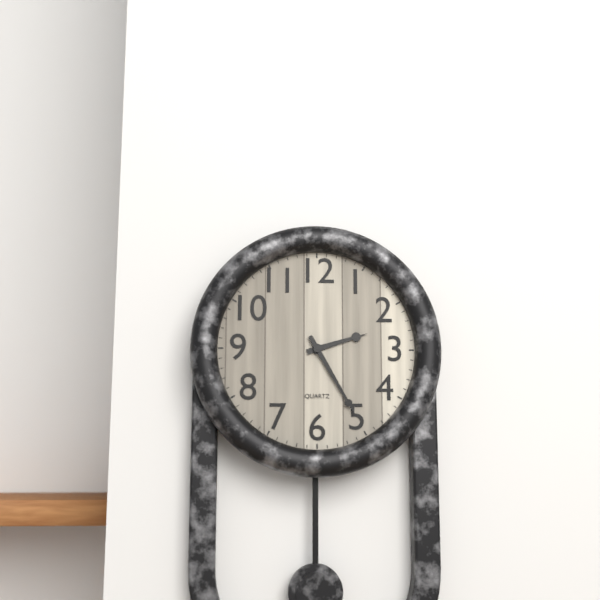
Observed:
2.25
